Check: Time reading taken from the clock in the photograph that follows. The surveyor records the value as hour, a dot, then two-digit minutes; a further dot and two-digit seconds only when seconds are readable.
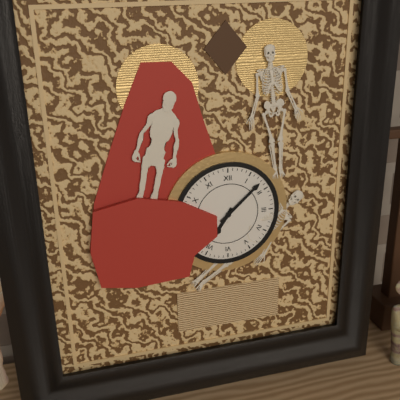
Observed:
7.08
